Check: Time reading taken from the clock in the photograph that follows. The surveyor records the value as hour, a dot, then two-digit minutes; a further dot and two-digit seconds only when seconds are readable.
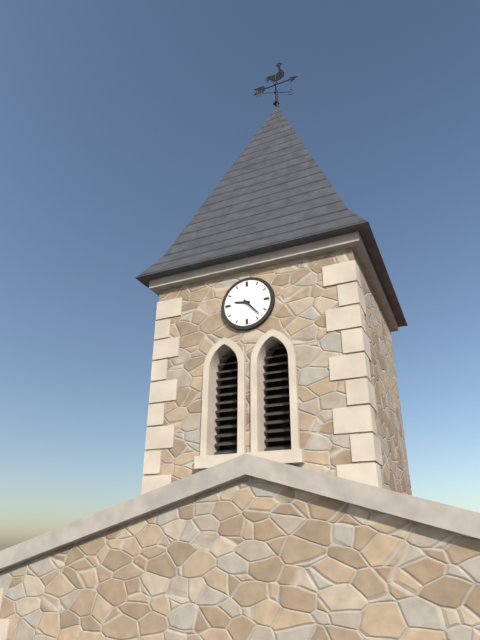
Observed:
9.23
